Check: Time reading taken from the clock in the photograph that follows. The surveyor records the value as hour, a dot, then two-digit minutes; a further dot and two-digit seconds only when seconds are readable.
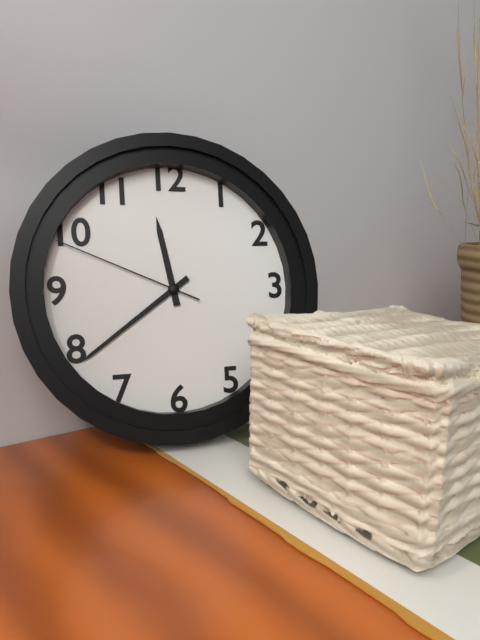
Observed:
11.39.49
